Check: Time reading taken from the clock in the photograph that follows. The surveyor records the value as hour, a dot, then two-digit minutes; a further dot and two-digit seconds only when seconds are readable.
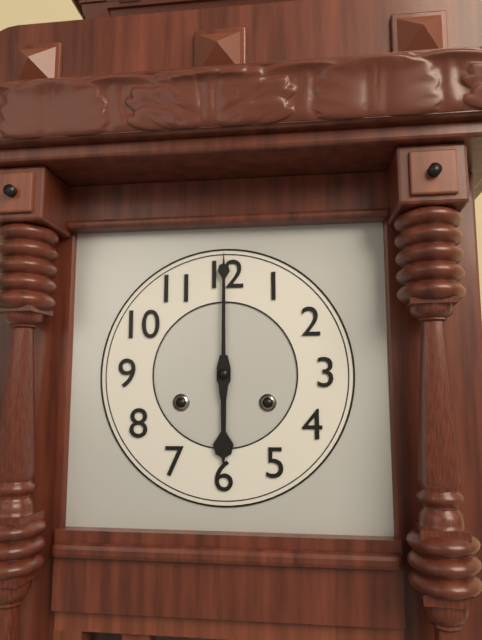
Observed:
6.00
